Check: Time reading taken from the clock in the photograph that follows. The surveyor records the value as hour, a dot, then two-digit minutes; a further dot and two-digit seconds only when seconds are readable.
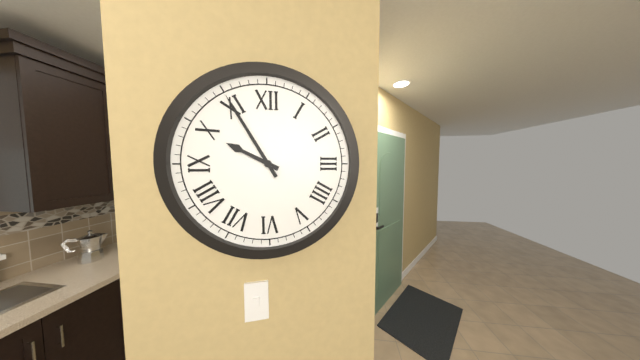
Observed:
9.55
